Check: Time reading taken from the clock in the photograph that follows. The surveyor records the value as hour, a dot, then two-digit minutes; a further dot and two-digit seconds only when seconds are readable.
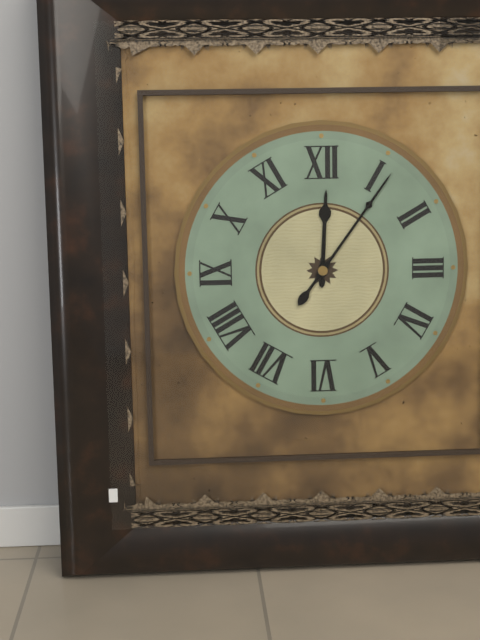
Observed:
12.06
